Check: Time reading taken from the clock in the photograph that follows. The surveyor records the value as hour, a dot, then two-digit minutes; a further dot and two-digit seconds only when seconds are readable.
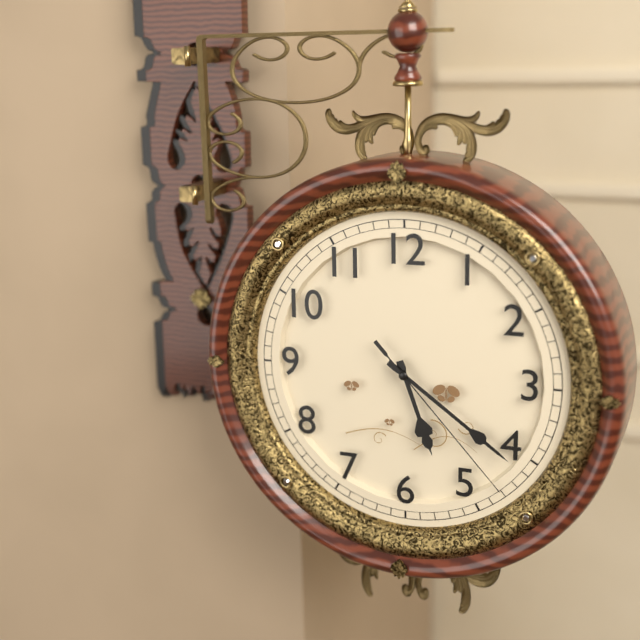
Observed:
5.21.23
